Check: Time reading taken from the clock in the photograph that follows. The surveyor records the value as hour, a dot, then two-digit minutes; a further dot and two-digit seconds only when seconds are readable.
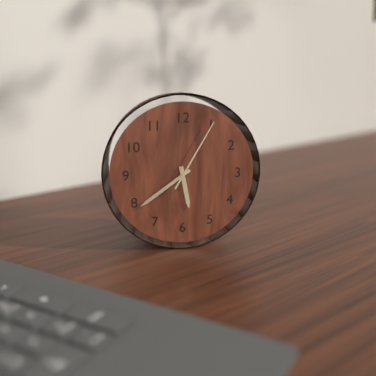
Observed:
5.39.05
